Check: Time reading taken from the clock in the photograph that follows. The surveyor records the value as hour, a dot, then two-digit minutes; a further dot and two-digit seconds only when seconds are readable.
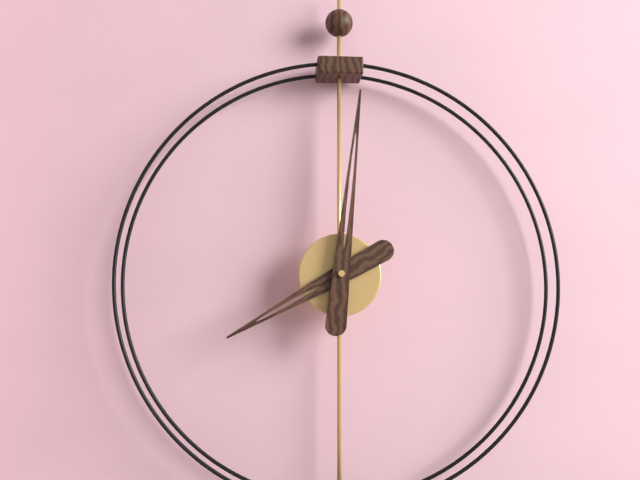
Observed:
8.01
